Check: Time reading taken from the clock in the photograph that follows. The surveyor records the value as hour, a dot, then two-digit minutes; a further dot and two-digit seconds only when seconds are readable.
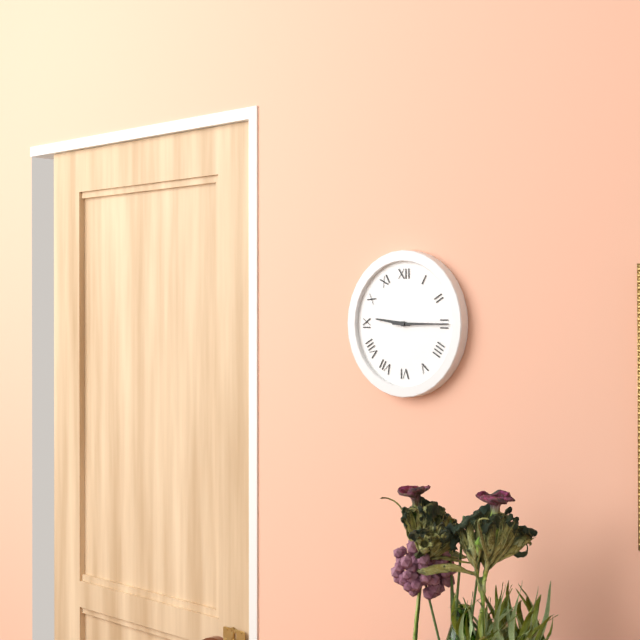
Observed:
9.15
